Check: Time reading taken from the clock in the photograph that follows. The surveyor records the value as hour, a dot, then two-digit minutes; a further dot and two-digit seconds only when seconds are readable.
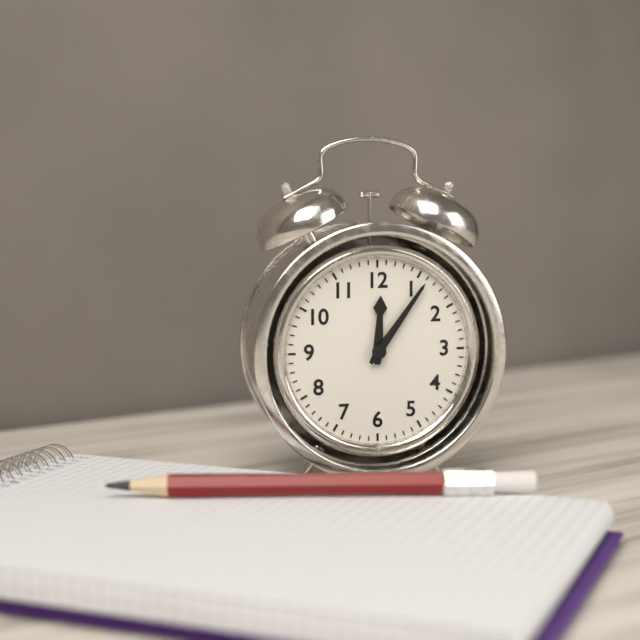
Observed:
12.06
